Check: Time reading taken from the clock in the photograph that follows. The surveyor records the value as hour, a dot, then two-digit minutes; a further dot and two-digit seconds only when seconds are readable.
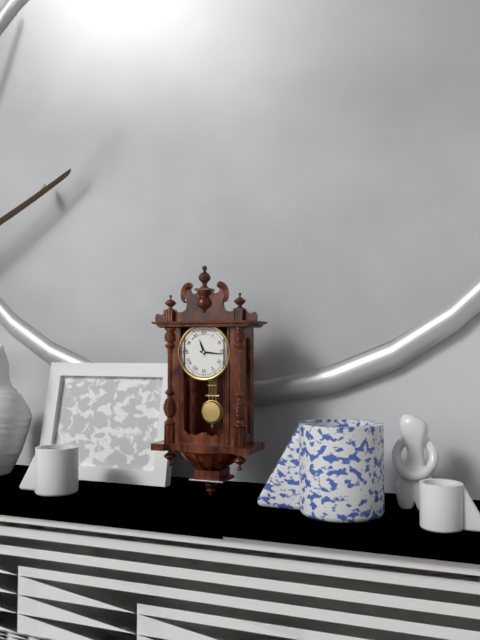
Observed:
11.16
